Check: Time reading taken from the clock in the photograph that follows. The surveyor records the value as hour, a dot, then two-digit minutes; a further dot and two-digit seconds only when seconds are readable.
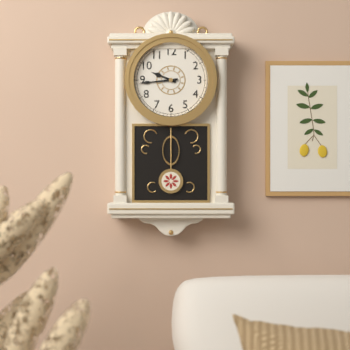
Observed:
9.44
